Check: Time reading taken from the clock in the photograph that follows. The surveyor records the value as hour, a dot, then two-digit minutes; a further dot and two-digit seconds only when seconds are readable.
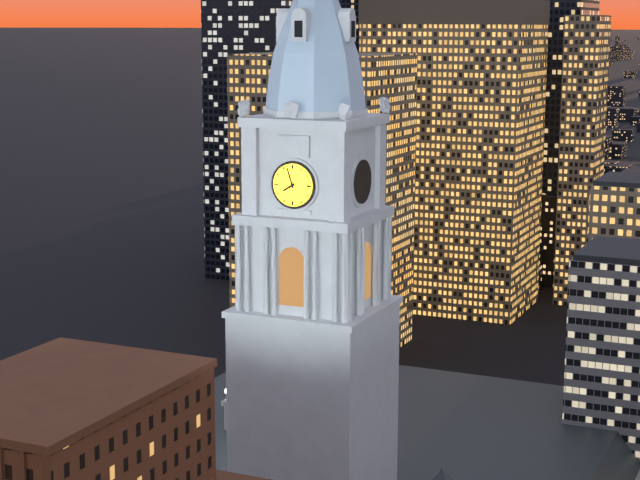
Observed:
7.57
